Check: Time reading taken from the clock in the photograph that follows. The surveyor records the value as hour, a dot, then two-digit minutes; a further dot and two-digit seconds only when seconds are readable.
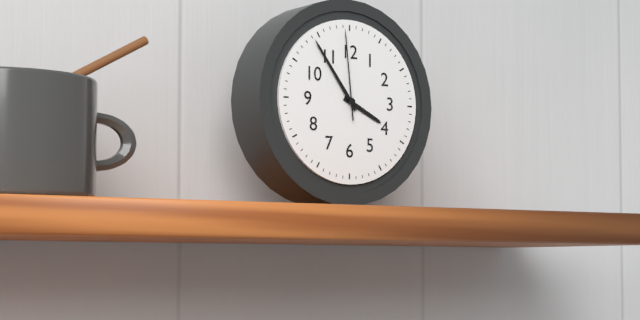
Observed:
3.54.59
